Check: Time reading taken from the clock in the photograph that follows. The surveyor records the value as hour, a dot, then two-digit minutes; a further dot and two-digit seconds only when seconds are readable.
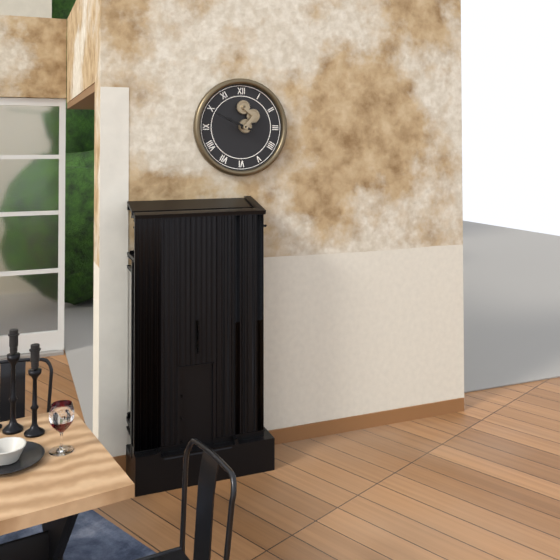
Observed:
9.49
